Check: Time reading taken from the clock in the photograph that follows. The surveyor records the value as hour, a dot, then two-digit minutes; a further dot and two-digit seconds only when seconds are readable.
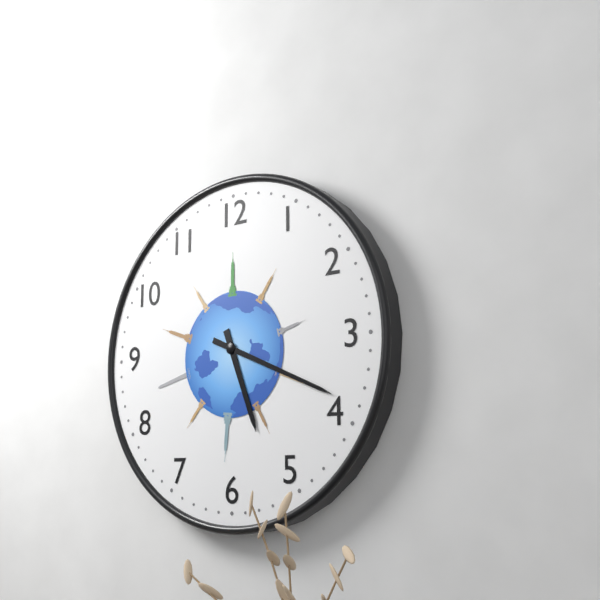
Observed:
5.19
